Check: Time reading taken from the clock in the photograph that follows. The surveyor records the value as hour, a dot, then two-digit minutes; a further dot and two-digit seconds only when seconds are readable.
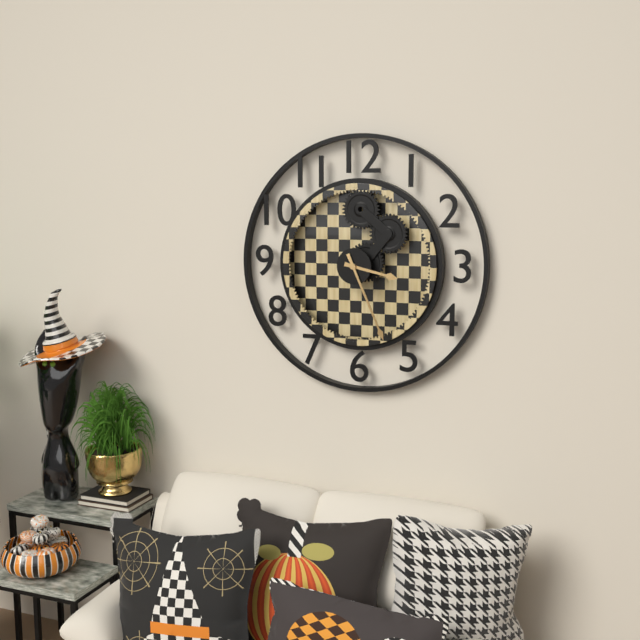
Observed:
3.26
